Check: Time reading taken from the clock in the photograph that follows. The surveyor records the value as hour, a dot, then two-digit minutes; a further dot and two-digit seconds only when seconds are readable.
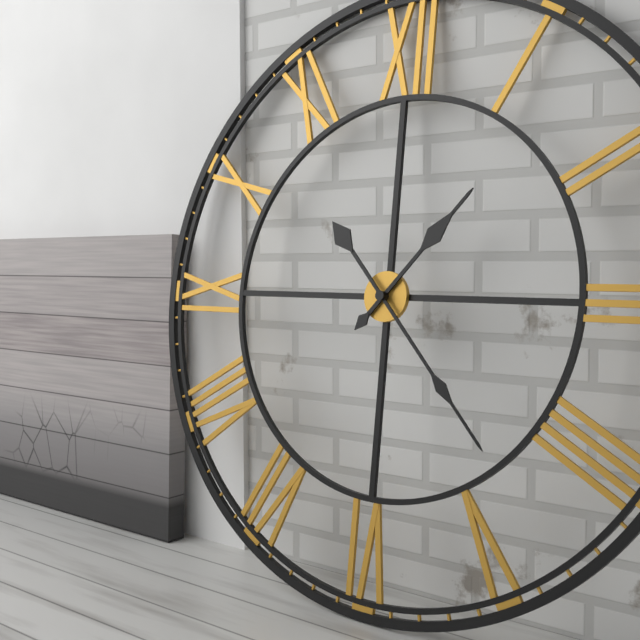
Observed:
1.23
